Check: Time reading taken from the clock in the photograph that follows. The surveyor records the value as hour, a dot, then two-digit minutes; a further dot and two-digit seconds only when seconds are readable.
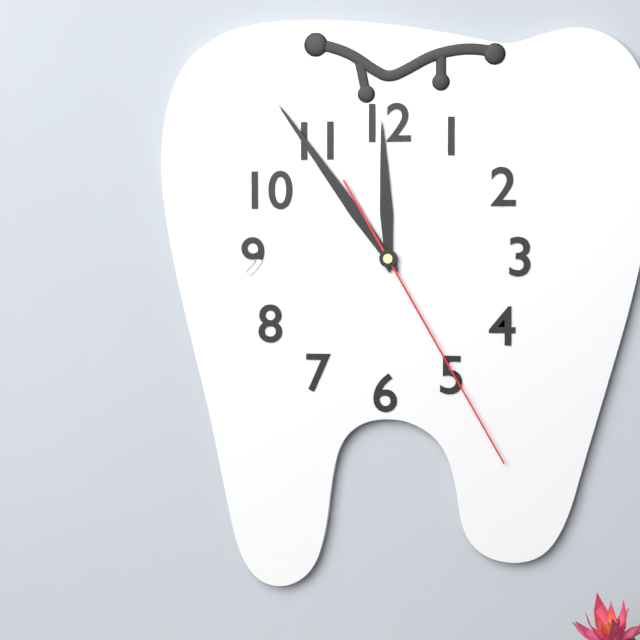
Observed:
11.54.25
